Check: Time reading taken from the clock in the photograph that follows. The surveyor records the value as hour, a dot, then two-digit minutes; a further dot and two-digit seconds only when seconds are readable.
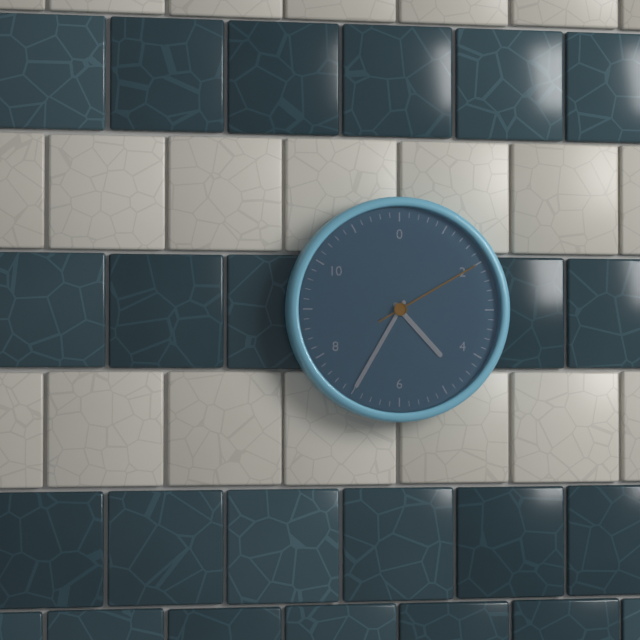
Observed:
4.35.10
